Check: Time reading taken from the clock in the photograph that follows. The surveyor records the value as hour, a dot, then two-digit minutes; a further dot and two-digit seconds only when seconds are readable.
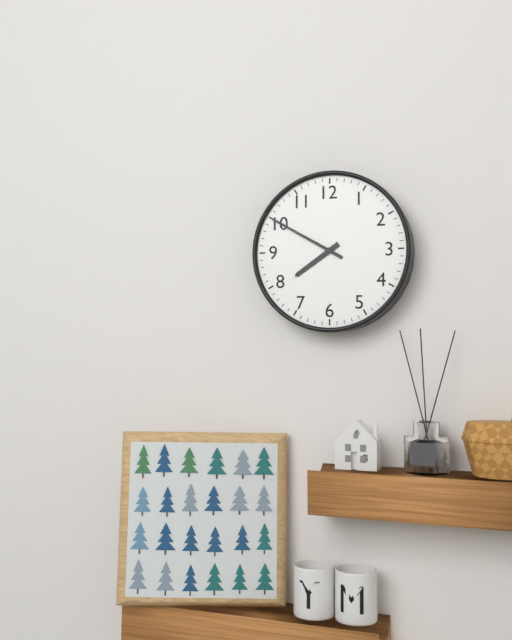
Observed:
7.50
